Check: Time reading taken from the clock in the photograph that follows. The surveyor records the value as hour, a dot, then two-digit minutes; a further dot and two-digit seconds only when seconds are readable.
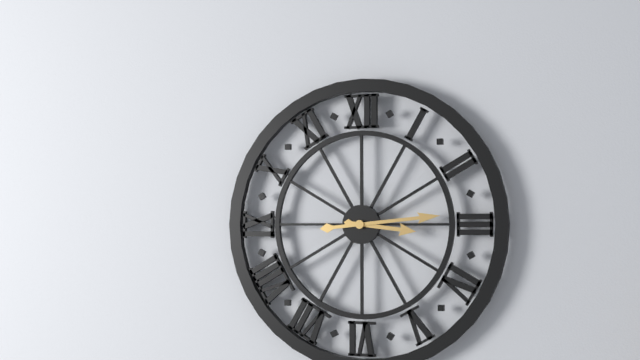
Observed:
3.14
